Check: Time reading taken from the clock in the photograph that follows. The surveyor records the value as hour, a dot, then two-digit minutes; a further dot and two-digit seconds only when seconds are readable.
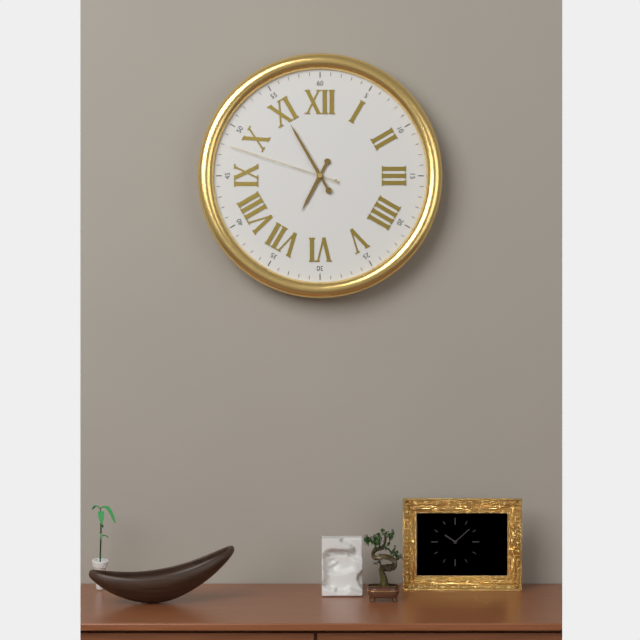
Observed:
6.55.48
